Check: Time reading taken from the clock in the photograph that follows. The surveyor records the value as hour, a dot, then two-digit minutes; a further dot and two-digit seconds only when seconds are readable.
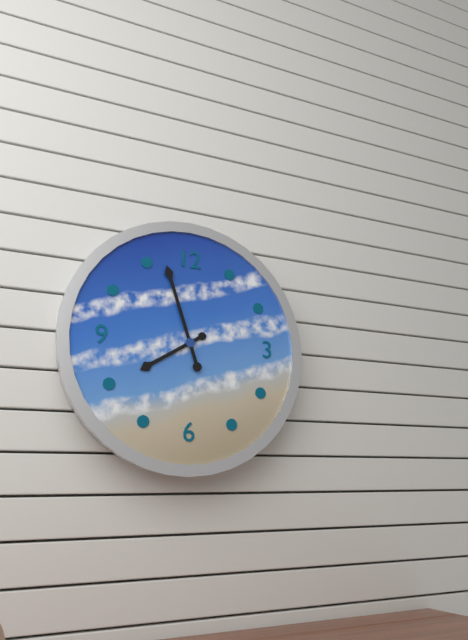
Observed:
7.57
